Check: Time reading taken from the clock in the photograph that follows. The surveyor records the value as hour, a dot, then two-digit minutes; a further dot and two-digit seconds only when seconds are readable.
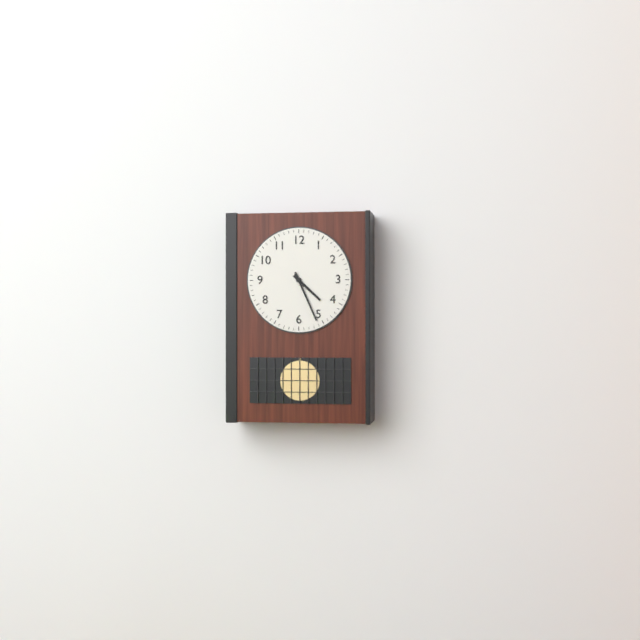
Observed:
4.26
